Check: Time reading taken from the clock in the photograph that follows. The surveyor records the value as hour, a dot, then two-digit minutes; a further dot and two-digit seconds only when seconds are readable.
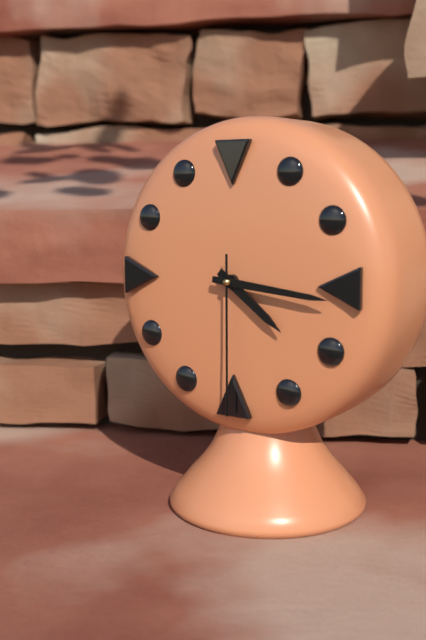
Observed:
4.16.30
